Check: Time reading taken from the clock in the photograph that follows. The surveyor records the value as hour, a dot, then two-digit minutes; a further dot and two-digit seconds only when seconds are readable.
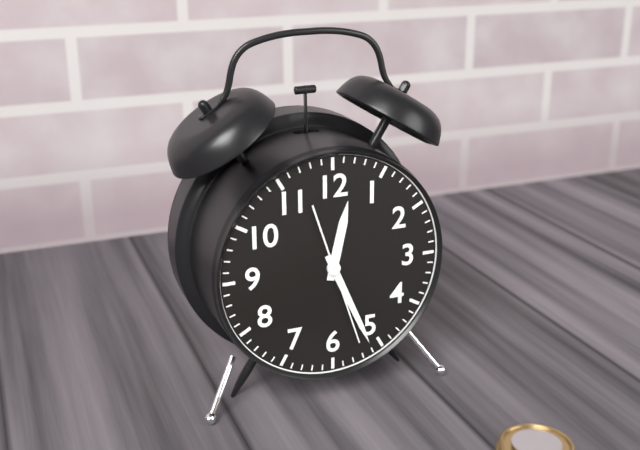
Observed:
12.26.27
